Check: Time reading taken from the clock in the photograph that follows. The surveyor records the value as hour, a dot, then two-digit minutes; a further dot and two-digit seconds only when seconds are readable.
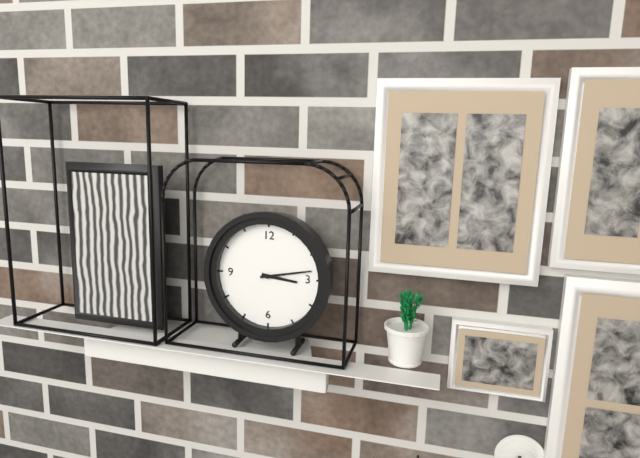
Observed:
3.13
